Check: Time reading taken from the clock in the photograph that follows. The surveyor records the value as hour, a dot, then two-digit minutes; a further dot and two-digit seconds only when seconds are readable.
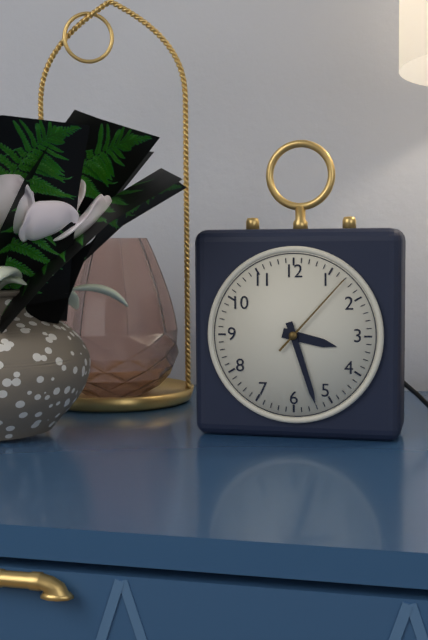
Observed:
3.27.07
